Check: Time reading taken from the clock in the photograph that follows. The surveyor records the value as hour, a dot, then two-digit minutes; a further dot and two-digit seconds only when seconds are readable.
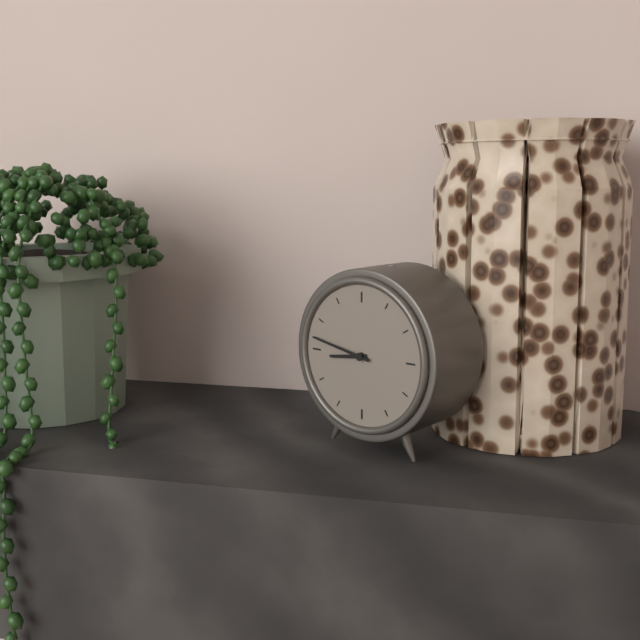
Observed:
8.47
